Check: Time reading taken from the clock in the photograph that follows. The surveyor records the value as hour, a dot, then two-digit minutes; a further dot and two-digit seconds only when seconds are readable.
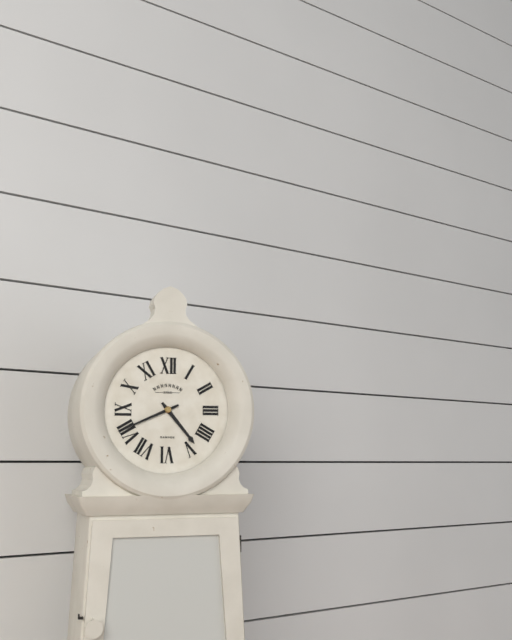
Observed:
4.41
